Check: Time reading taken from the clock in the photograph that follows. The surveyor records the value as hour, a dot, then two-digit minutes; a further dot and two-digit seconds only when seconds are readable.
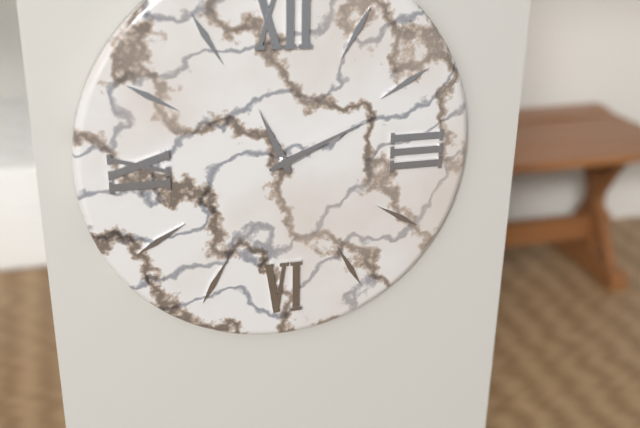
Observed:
11.11
